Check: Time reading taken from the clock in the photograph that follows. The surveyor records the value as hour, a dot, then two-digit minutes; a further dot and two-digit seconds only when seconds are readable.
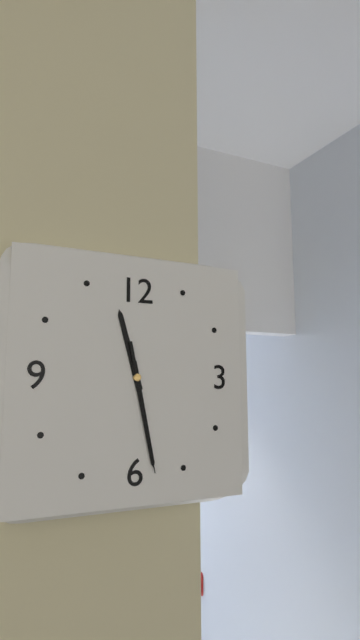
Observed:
11.28.28
